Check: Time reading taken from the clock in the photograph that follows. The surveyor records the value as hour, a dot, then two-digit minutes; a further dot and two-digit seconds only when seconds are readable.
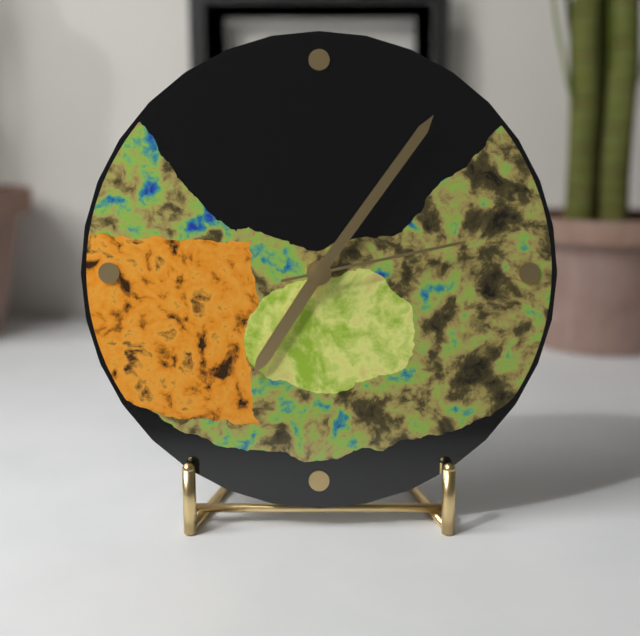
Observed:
7.06.13
